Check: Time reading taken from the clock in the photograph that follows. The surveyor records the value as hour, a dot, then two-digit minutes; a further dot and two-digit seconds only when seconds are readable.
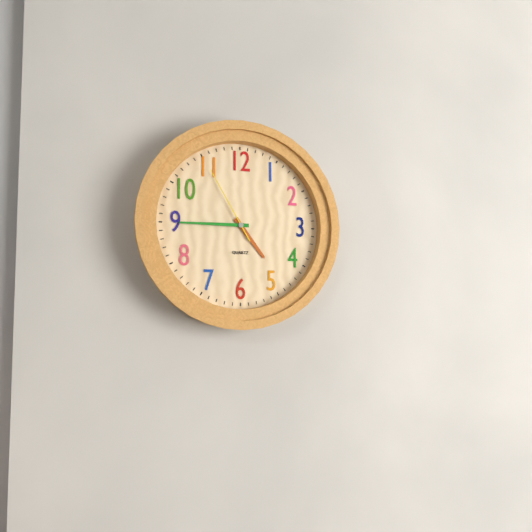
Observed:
4.45.55
